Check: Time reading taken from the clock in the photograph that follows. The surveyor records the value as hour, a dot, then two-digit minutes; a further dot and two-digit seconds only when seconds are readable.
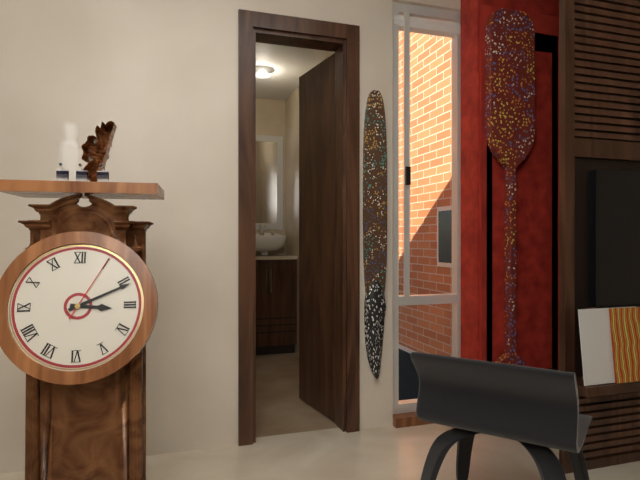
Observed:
3.11.05
